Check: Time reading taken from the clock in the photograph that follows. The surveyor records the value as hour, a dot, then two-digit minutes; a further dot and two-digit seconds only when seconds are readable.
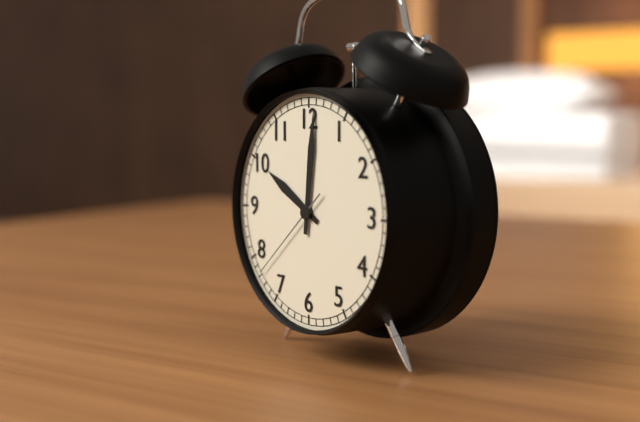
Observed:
10.01.38
